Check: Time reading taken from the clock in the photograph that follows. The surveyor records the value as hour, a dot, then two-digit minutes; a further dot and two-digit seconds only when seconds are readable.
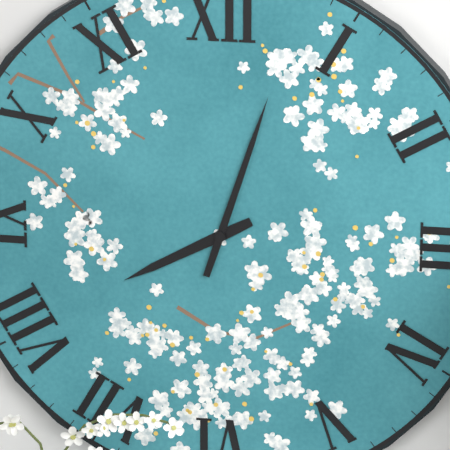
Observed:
8.03
